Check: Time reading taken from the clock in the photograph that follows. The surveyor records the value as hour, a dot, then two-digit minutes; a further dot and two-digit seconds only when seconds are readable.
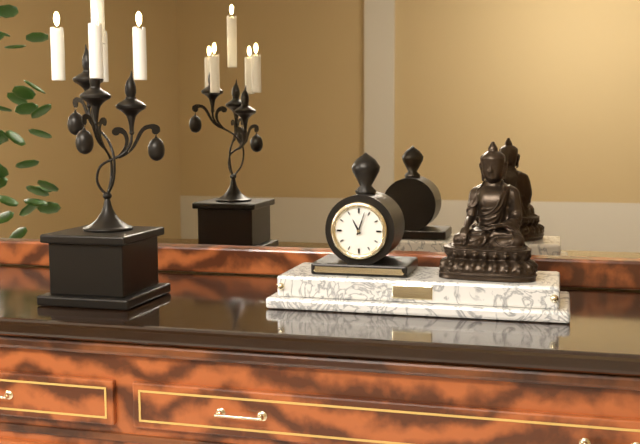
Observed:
11.03
